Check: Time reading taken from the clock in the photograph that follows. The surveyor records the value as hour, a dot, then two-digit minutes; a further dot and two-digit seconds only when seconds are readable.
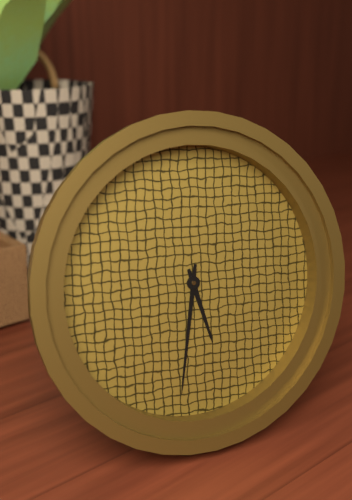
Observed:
5.32
